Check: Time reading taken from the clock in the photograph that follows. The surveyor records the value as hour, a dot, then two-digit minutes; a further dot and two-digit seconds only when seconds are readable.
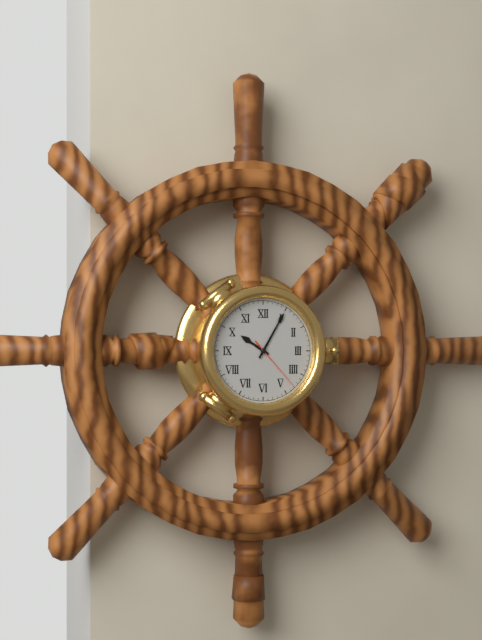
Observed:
10.05.23
